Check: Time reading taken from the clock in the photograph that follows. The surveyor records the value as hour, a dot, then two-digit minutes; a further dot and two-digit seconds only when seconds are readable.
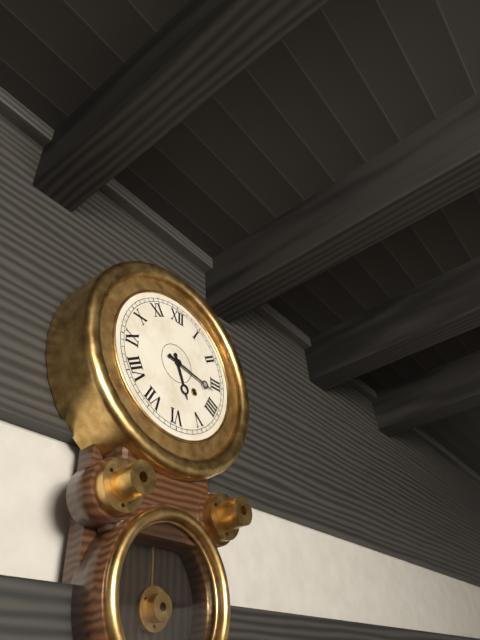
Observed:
5.17
